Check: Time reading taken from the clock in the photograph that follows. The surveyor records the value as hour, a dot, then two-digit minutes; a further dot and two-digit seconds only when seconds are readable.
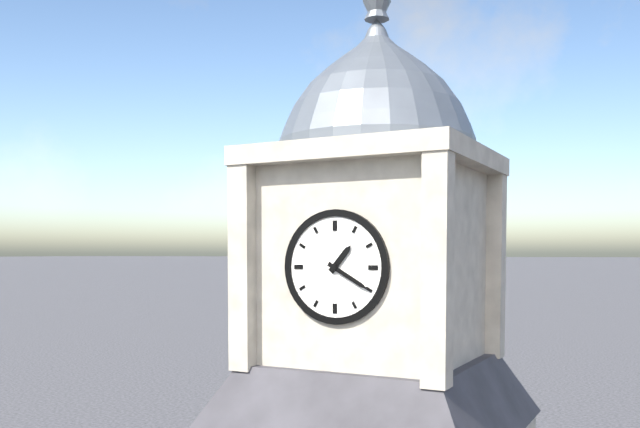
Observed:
1.20
